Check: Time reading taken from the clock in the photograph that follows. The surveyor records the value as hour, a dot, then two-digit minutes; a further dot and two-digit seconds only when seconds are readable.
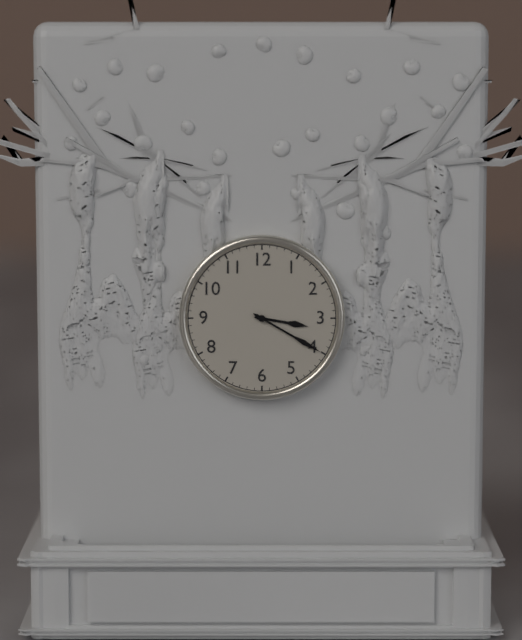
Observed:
3.20
